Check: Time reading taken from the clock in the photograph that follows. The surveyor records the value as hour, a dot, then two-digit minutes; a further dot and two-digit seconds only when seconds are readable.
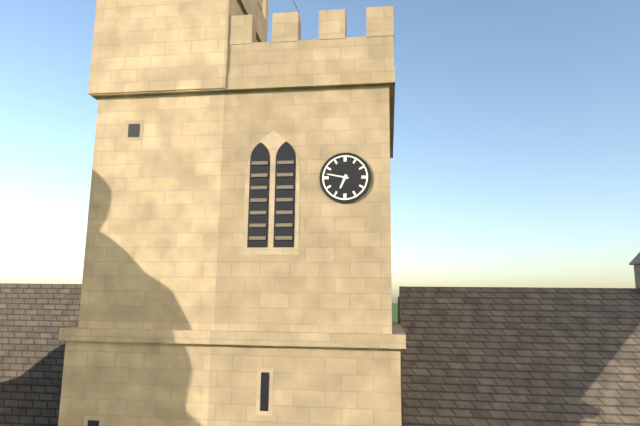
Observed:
6.47
